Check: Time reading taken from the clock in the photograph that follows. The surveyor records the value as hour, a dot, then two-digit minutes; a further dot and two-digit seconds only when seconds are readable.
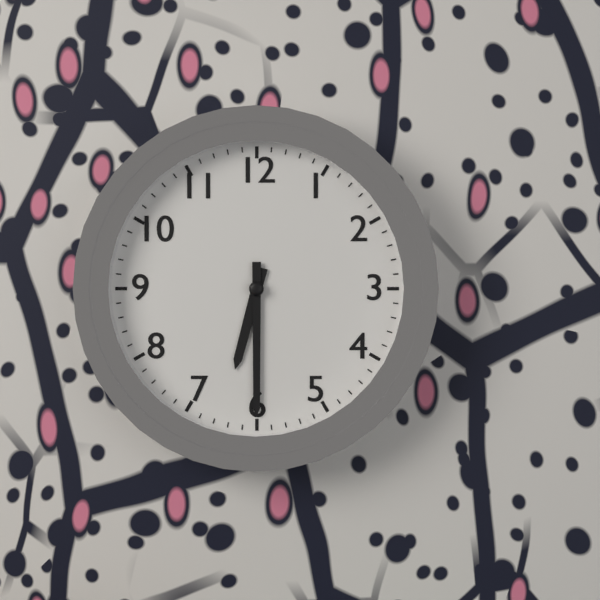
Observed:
6.30
